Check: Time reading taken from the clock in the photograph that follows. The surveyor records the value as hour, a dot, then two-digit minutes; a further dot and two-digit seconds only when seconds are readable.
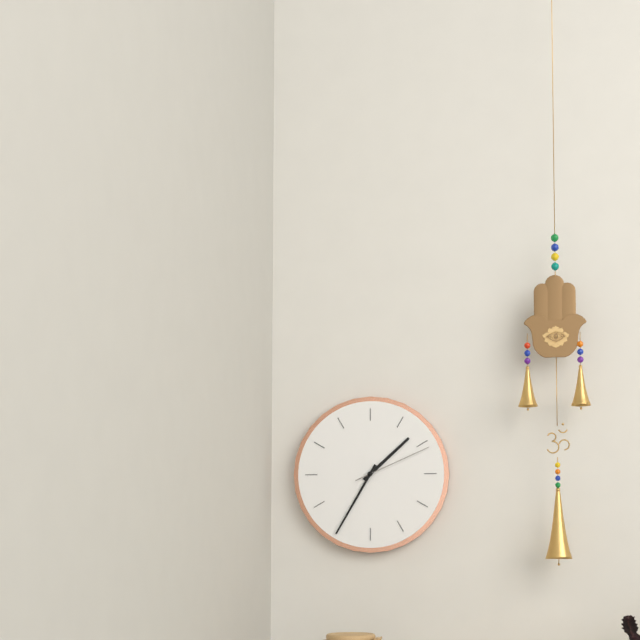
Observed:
1.35.11
